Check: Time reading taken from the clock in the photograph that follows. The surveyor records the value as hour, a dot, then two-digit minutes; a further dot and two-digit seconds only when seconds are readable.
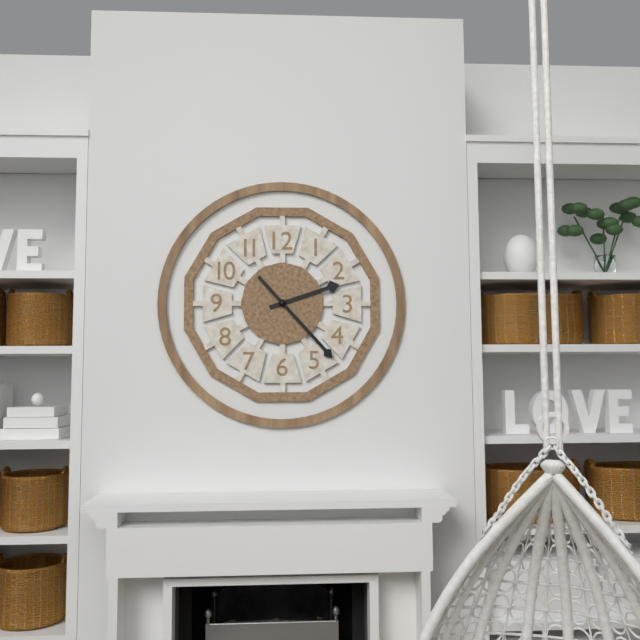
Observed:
2.23
